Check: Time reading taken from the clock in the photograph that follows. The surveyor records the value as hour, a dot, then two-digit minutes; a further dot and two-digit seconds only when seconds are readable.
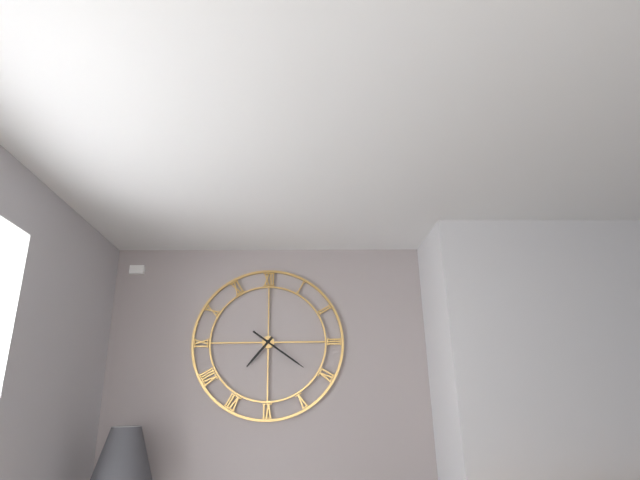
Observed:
7.21
